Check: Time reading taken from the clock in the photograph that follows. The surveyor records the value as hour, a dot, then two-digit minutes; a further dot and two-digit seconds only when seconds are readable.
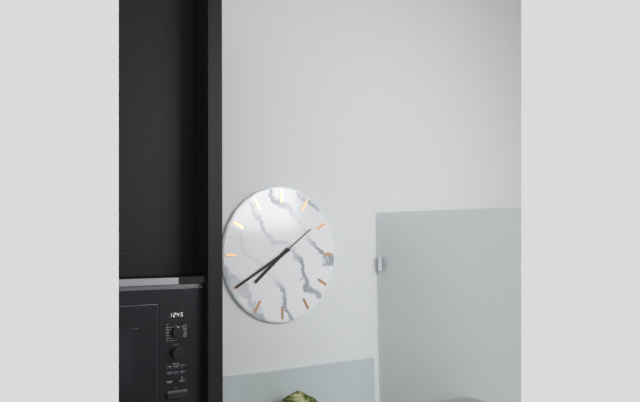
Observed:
7.40
